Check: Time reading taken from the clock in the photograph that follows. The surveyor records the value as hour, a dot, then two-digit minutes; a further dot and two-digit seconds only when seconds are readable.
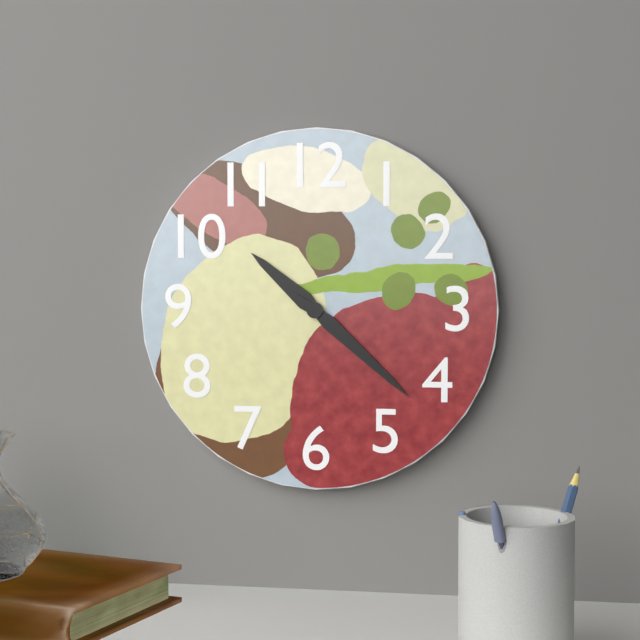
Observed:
10.22
